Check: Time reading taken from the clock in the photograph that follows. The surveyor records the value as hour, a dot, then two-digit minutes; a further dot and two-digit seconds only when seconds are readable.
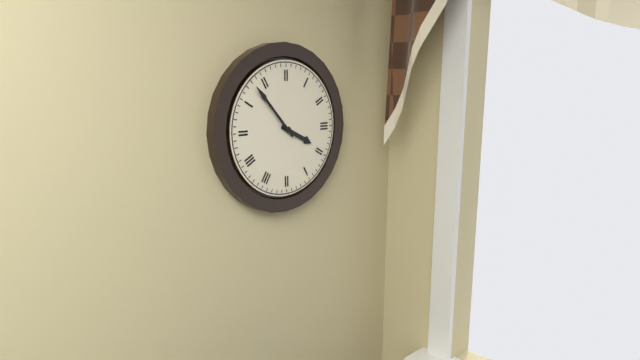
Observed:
3.53
